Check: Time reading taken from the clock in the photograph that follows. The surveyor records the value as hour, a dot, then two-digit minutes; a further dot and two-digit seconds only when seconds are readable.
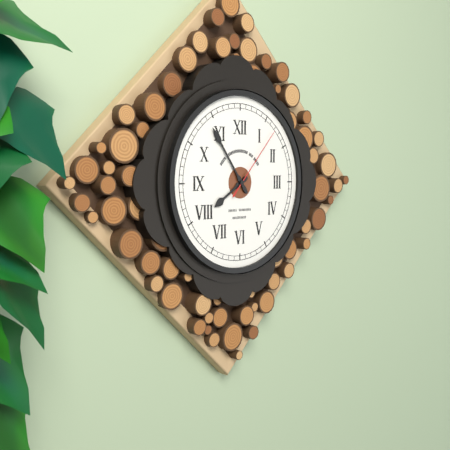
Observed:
7.54.07
